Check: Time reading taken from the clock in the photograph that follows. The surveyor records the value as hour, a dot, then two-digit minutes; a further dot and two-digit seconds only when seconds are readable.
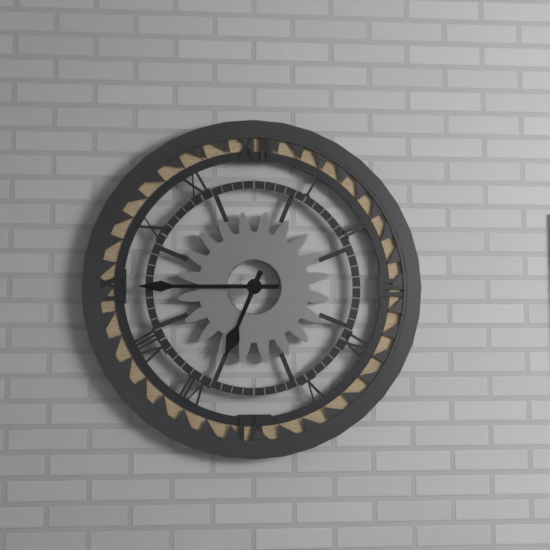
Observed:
6.45
